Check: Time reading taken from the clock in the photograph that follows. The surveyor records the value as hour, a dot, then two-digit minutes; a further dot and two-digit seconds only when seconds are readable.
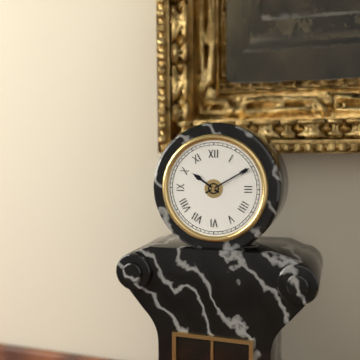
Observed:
10.10
